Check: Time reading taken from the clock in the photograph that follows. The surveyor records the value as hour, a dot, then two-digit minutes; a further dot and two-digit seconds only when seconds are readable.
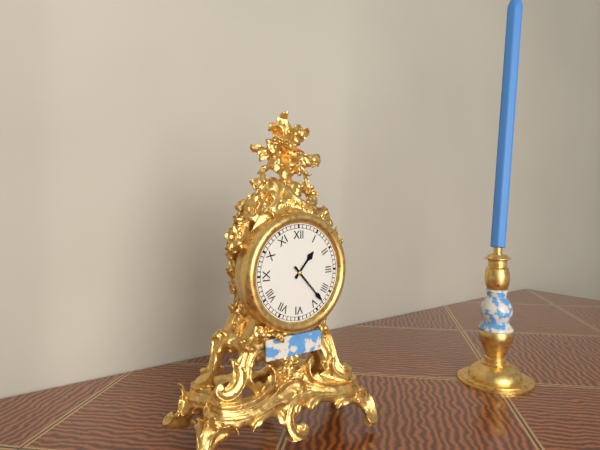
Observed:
1.23
